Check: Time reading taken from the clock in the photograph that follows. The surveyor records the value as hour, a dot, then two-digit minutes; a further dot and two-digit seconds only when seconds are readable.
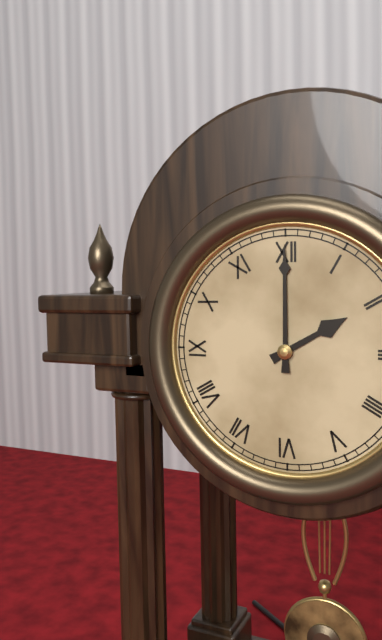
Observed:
2.00
